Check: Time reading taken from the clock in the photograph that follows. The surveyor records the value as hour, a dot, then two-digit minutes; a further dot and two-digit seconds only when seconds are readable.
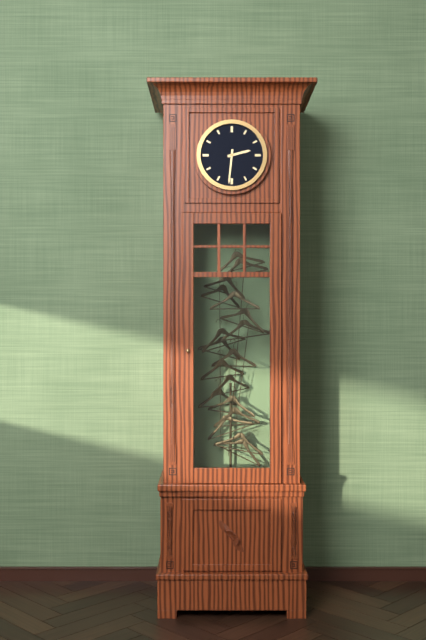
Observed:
2.31
